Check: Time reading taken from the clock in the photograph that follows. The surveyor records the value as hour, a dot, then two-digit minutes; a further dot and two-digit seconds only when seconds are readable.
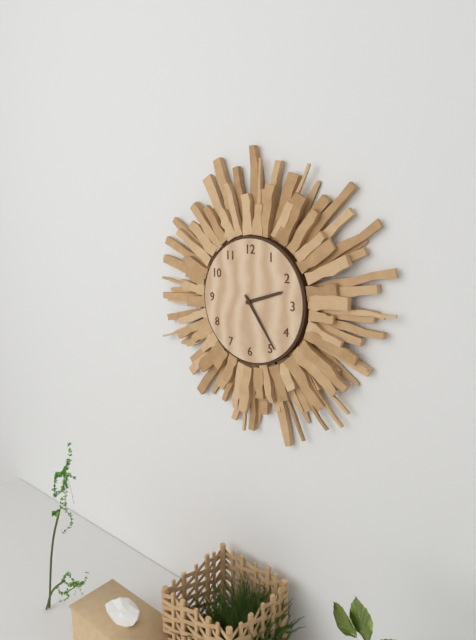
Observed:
2.24
